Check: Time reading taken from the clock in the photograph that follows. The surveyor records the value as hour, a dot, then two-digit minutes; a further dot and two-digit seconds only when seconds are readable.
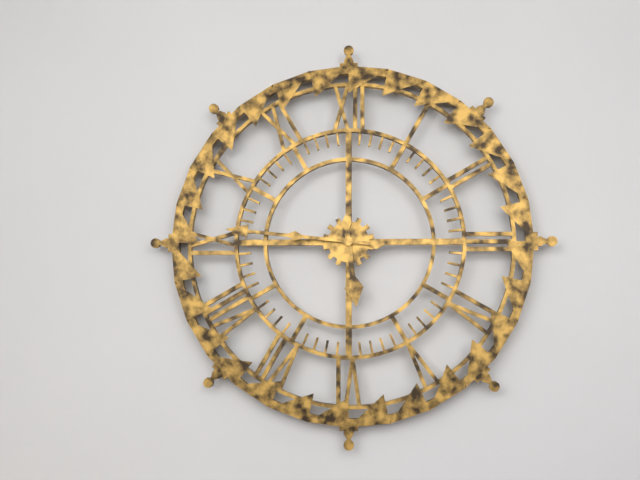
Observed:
5.46
